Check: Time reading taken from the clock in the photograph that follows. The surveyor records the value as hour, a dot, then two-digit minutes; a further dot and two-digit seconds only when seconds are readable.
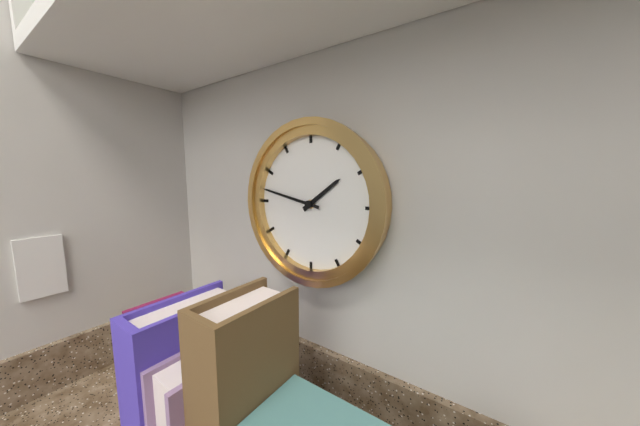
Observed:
1.47
